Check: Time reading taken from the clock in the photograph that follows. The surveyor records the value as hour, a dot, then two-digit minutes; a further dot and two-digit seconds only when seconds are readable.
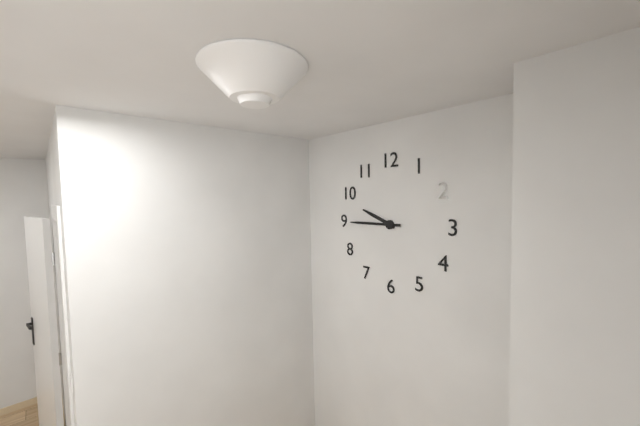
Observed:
9.45
